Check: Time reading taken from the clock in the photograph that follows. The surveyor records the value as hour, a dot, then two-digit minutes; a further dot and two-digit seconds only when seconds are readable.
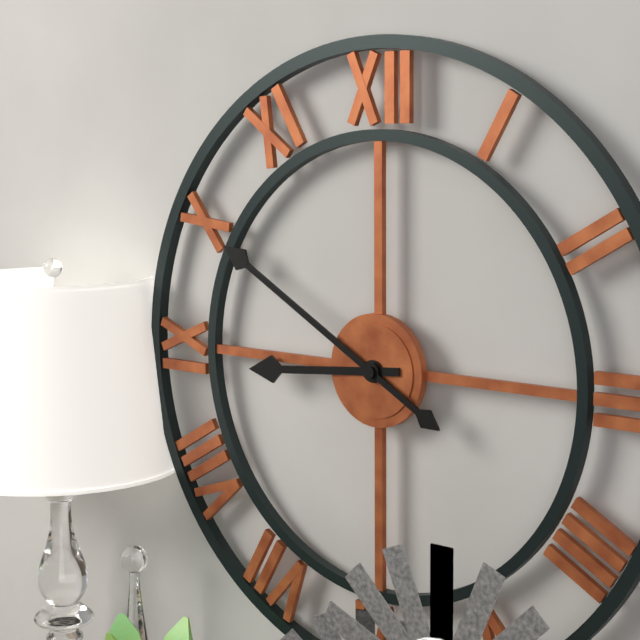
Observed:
8.50
